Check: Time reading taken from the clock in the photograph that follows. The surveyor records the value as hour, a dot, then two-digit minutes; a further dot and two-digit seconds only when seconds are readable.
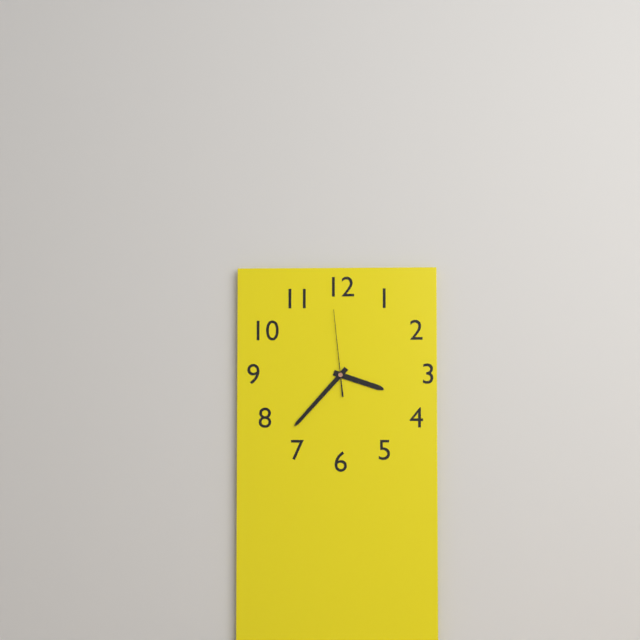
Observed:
3.37.59
